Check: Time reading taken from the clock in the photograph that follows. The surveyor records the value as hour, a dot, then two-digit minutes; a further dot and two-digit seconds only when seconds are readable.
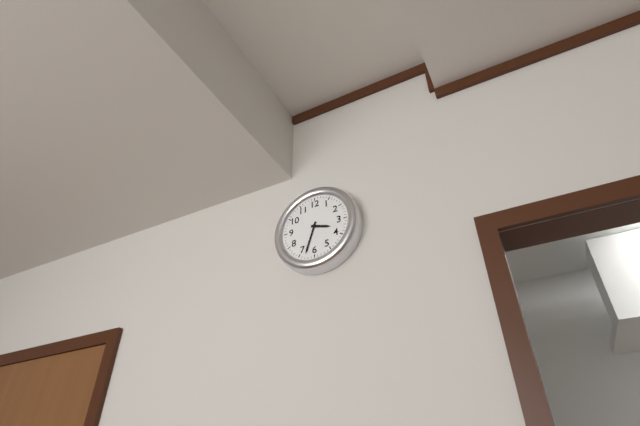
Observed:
3.33
